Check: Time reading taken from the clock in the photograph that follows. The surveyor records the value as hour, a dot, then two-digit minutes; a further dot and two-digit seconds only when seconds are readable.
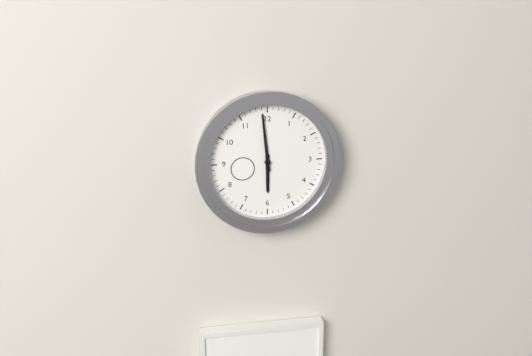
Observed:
5.59
